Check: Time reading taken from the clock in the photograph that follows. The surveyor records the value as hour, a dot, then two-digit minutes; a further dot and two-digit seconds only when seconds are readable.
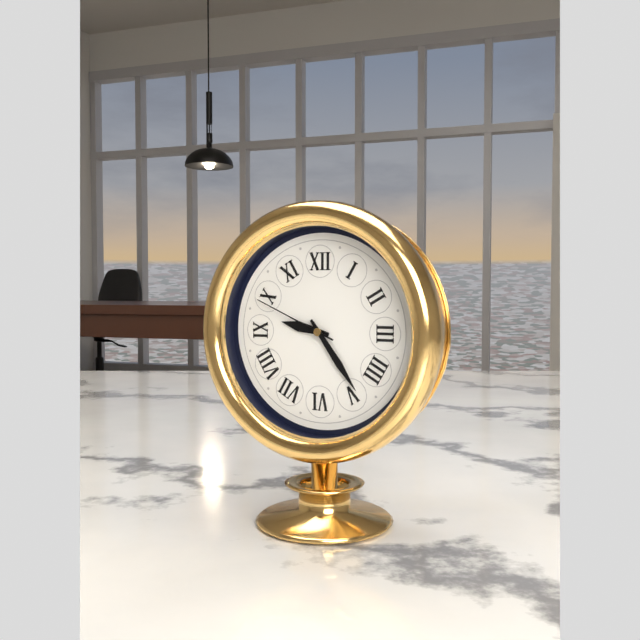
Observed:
9.24.49
